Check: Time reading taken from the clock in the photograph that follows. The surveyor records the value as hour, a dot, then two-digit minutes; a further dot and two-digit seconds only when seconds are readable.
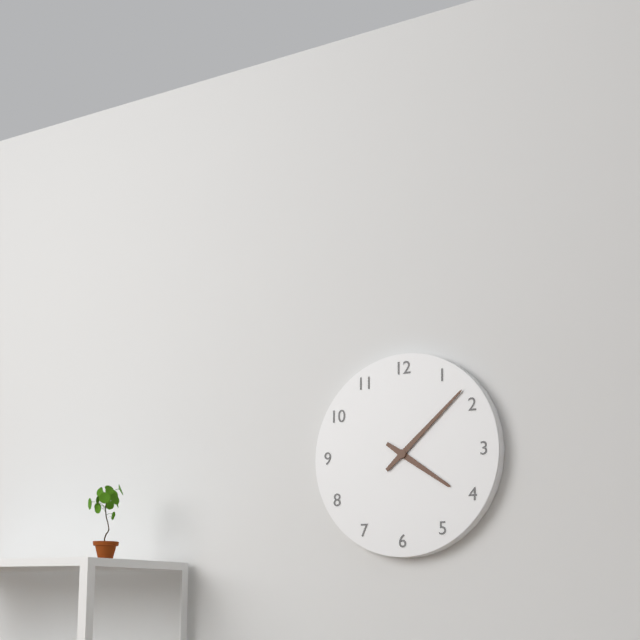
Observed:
4.08
